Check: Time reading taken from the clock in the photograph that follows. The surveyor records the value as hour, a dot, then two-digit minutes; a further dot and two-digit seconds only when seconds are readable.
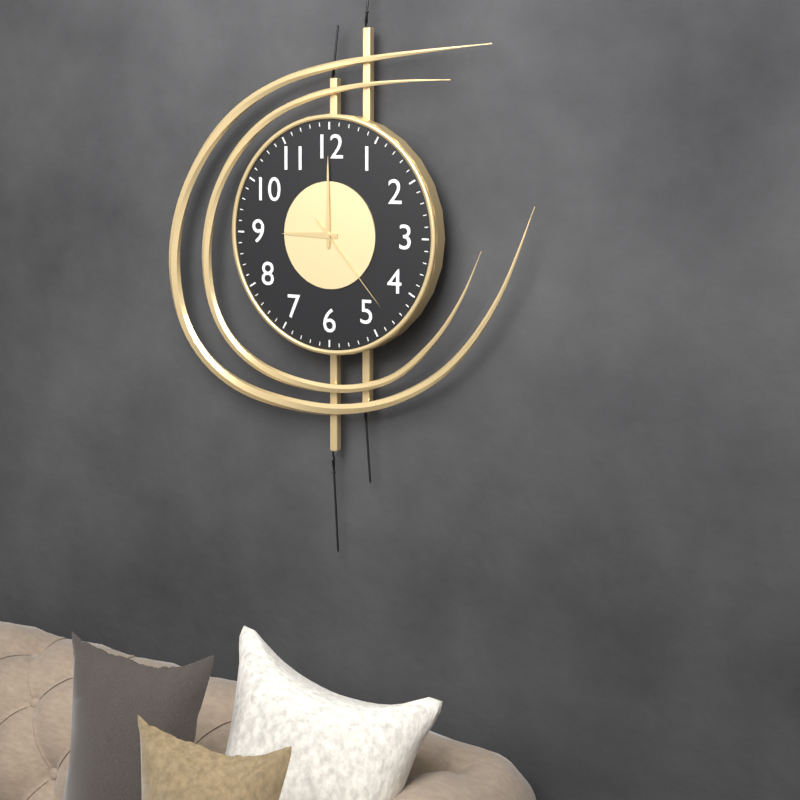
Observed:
9.00.23
